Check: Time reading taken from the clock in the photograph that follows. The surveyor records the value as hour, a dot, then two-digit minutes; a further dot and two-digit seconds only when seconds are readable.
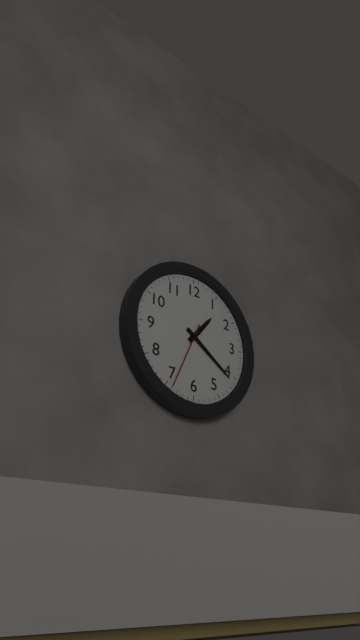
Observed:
1.21.34
